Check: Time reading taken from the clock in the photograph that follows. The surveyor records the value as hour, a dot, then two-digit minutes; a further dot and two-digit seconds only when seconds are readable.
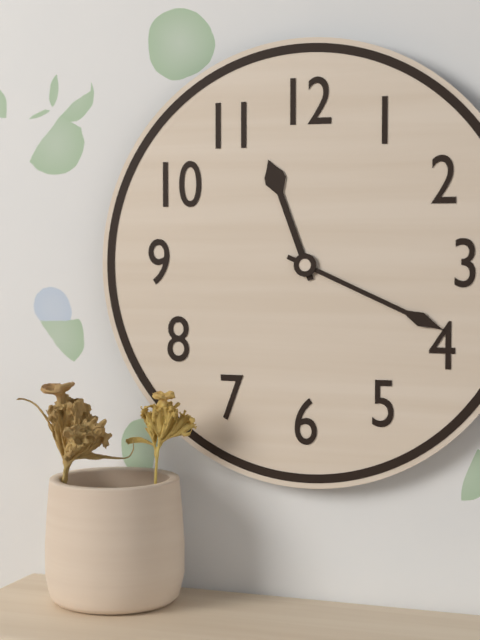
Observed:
11.19
